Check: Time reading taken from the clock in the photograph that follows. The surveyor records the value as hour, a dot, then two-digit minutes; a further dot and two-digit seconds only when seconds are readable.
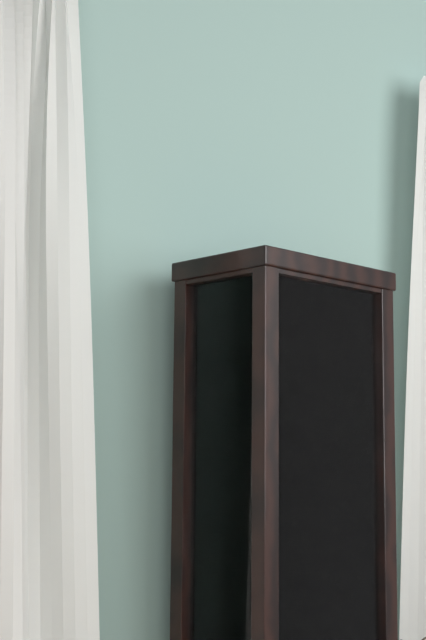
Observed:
7.56
